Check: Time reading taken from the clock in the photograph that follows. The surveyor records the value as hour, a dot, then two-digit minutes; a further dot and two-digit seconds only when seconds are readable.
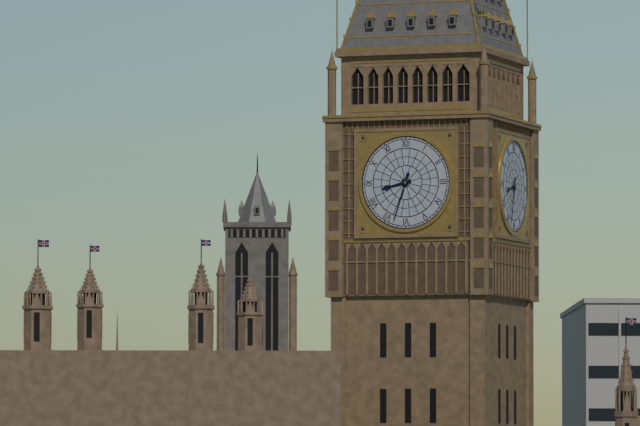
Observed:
8.33
